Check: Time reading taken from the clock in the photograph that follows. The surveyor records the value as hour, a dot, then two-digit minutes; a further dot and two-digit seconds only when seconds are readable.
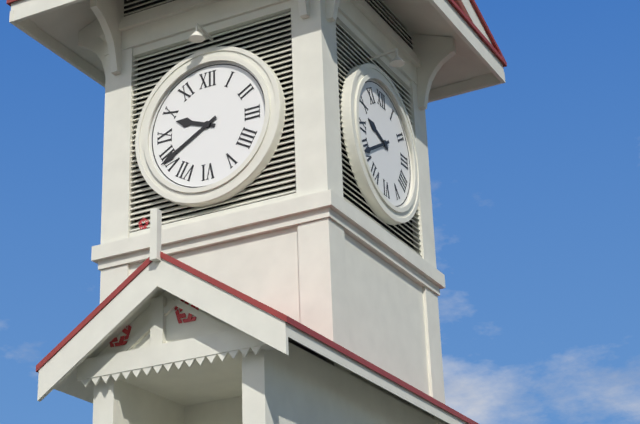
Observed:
9.40
